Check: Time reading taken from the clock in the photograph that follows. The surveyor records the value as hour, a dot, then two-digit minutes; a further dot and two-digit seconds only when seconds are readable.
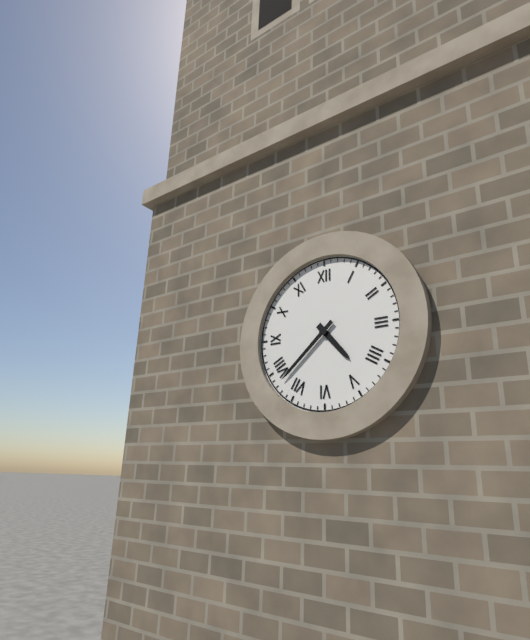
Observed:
4.38
